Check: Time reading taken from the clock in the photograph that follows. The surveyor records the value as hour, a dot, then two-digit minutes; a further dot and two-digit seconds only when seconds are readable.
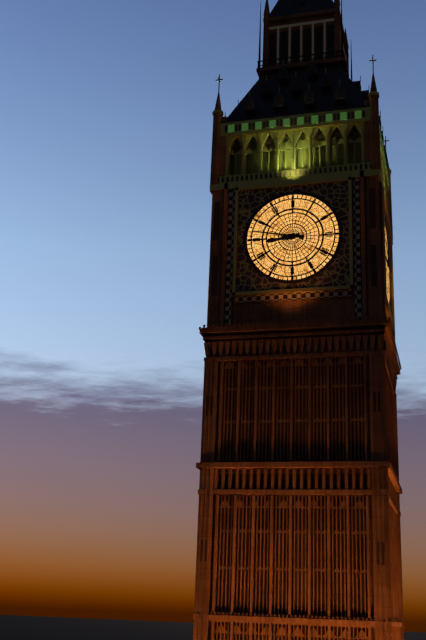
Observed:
8.47
